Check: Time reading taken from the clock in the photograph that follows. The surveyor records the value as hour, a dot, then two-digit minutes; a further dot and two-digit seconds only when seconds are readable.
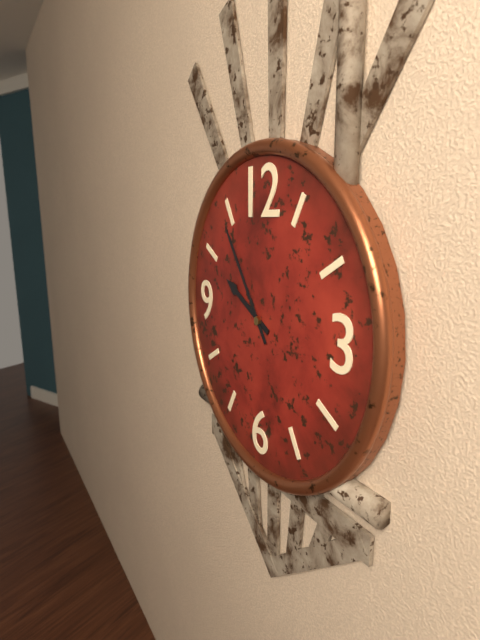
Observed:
9.54
